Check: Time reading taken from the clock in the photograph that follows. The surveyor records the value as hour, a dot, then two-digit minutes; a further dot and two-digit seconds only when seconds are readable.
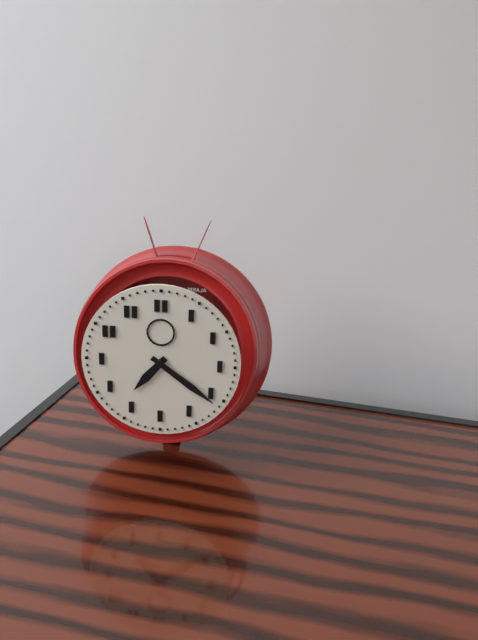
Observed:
7.21
